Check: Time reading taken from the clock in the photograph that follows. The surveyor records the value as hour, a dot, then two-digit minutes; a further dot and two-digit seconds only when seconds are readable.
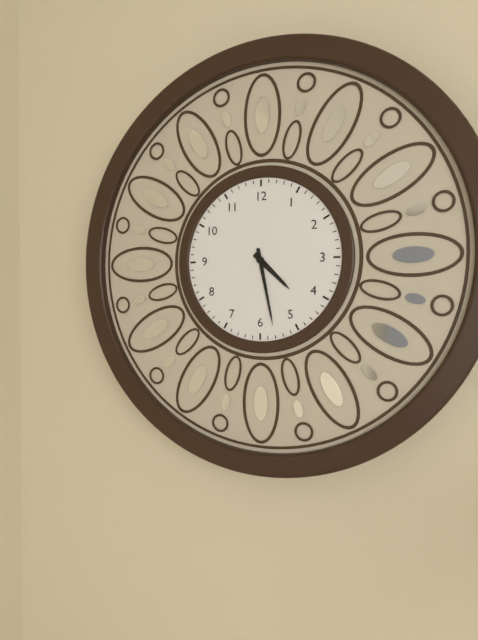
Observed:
4.28
